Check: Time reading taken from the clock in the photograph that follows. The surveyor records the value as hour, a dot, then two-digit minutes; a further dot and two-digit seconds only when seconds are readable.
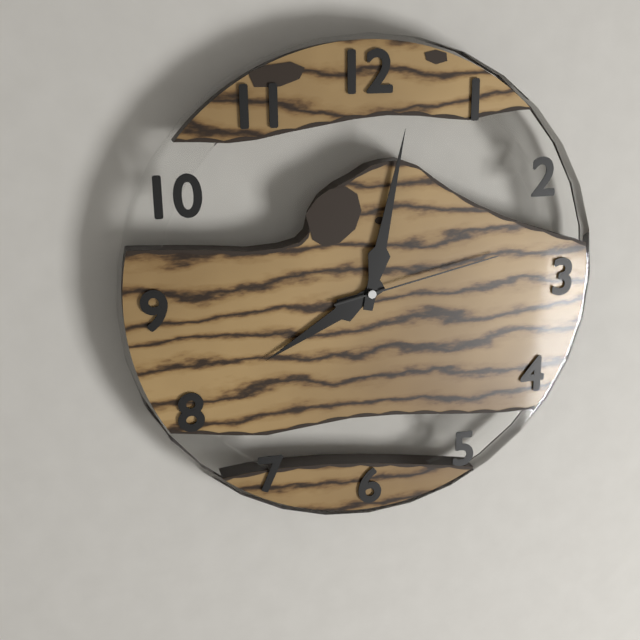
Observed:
8.02.13
